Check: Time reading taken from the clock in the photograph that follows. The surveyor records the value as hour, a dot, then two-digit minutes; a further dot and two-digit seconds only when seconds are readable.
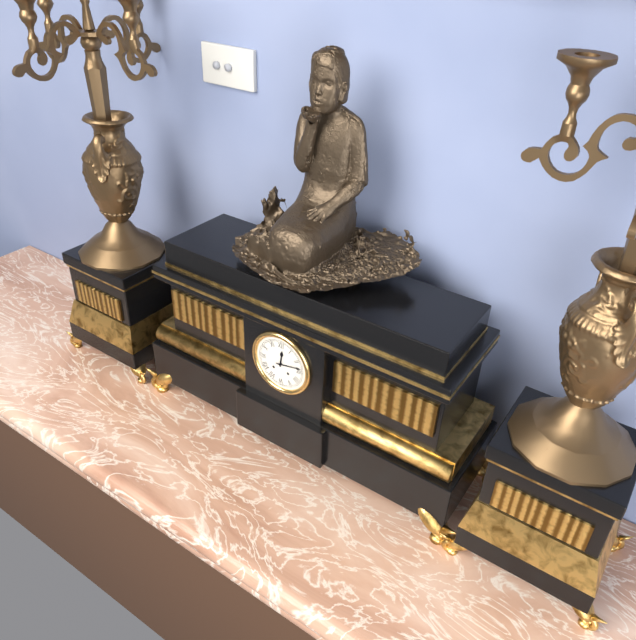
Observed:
12.13
